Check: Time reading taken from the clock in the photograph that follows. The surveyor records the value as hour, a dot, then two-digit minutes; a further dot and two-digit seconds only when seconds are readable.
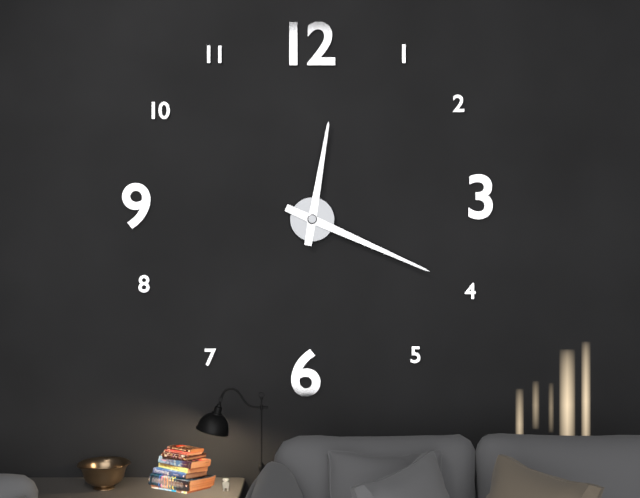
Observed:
12.19
